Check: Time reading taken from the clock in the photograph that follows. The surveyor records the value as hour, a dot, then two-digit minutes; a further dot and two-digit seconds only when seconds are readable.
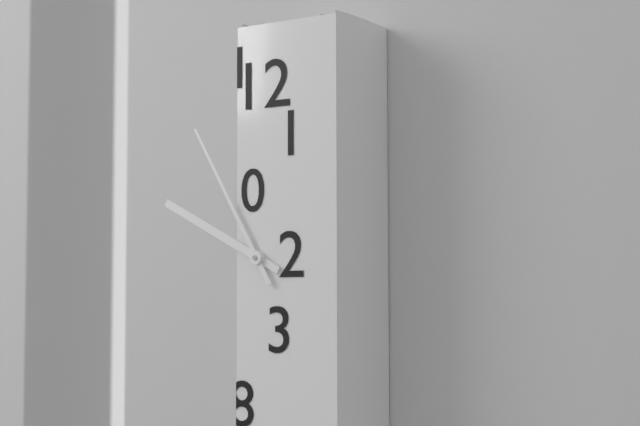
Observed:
9.55
